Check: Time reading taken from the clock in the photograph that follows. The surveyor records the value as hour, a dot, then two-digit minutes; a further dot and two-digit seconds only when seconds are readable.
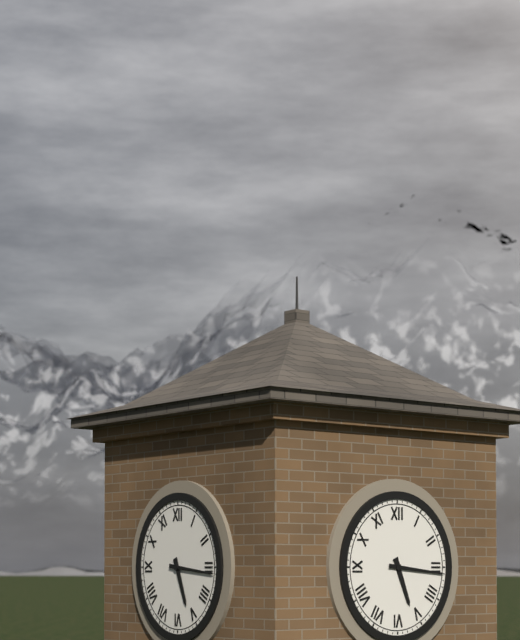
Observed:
5.16
